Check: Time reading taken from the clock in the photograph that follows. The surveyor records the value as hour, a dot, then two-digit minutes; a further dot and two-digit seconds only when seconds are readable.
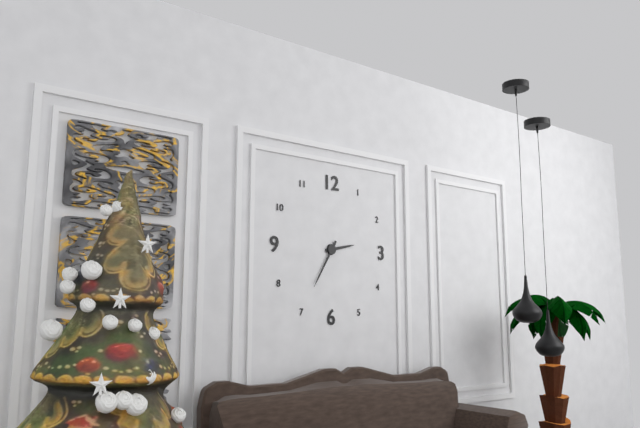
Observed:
2.35
